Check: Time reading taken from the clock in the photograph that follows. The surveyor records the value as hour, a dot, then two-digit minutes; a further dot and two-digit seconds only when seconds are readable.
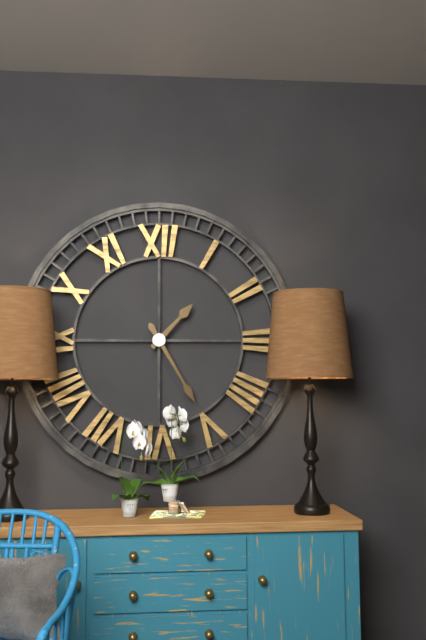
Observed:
1.25
